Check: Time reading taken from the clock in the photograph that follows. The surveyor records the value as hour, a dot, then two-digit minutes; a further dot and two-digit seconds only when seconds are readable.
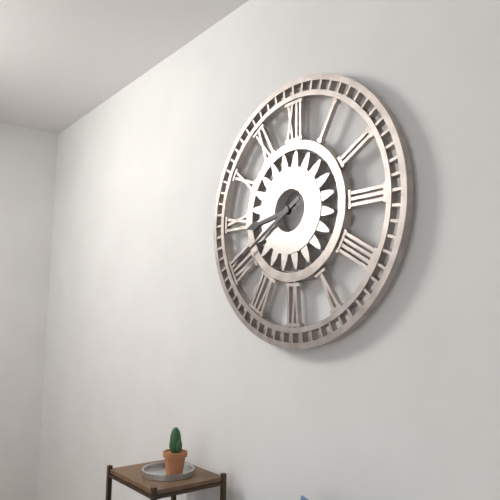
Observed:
8.40
